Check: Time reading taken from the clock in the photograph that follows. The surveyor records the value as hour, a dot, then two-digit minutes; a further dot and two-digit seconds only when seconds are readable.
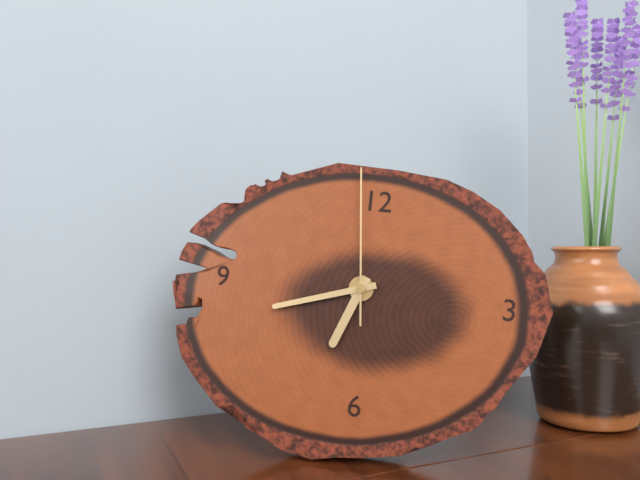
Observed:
6.42.59
